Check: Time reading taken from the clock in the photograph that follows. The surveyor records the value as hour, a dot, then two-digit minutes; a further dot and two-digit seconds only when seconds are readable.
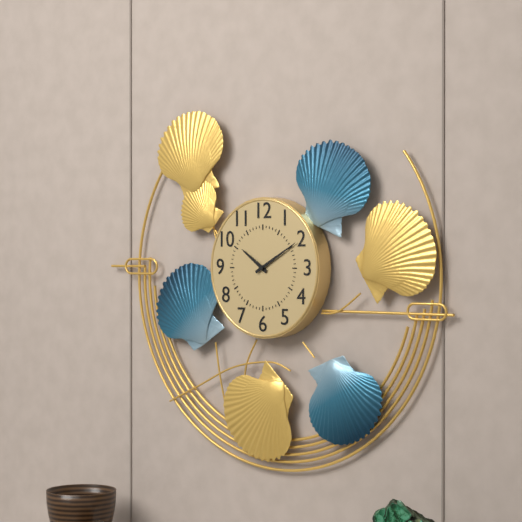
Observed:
10.10
